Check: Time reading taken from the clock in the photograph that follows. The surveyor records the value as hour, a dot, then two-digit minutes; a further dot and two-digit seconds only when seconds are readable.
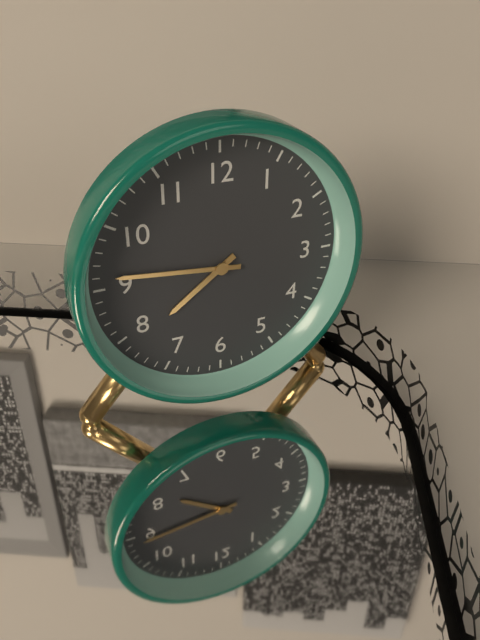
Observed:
7.46
